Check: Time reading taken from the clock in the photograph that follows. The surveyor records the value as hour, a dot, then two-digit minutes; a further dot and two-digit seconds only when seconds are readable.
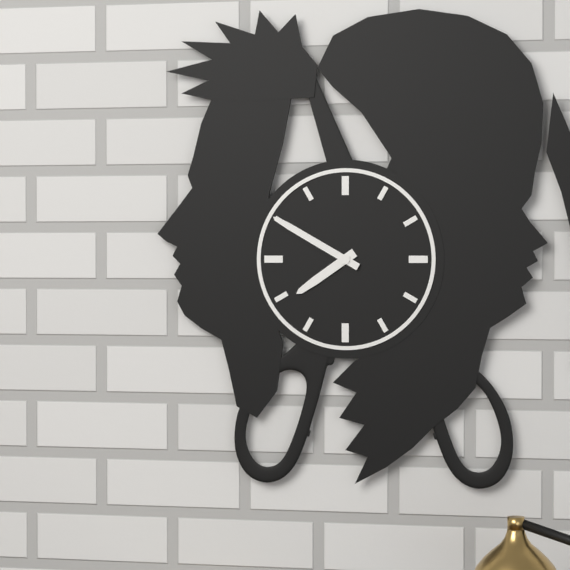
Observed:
7.50
